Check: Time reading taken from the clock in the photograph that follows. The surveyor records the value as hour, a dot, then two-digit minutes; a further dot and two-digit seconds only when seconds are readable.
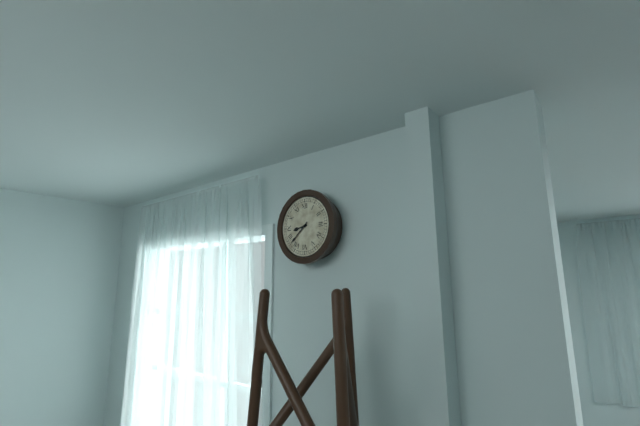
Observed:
8.38
